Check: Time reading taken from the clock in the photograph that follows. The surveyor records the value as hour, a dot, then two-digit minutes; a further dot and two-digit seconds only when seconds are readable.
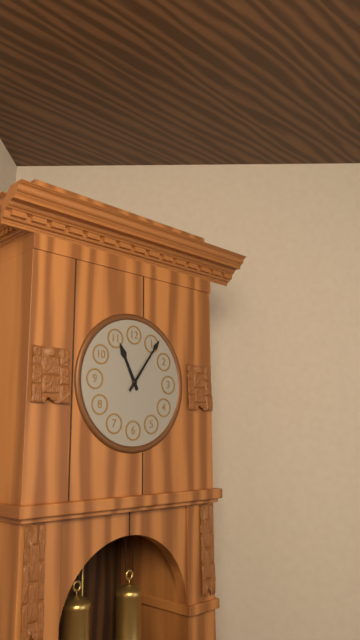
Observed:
11.06
